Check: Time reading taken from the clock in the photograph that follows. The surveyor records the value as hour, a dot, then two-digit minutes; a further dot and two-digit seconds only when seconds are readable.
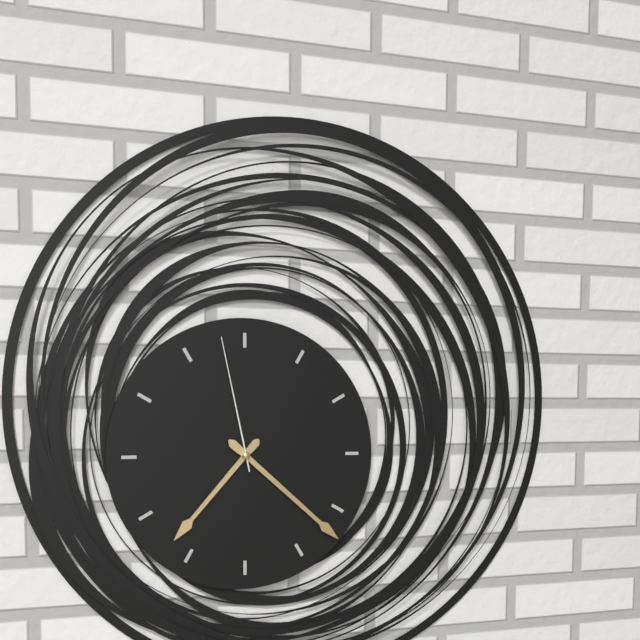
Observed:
7.22.58
